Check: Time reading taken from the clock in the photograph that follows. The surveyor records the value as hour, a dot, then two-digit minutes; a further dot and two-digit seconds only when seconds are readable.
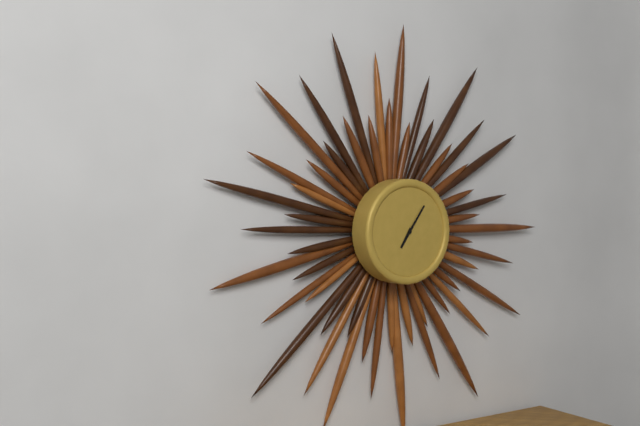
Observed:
7.06
